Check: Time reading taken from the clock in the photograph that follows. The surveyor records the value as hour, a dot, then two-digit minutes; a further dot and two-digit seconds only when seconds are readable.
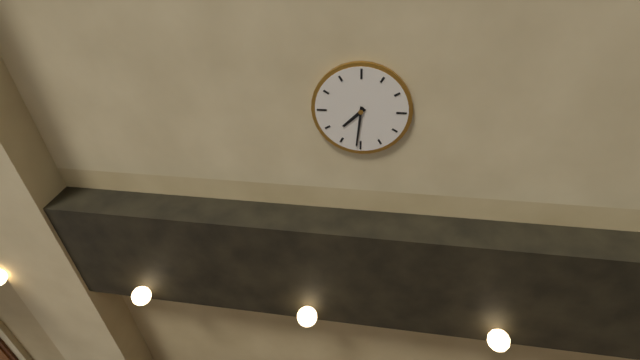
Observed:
7.31
